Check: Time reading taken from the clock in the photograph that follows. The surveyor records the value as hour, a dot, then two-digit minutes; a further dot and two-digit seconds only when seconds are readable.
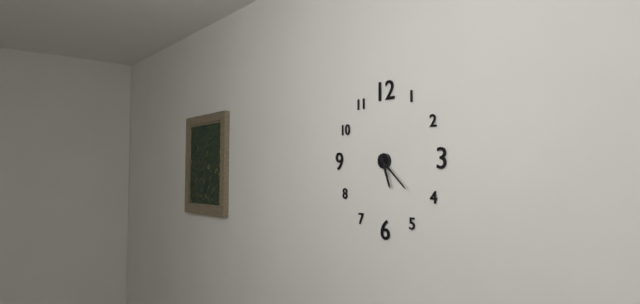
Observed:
5.22
